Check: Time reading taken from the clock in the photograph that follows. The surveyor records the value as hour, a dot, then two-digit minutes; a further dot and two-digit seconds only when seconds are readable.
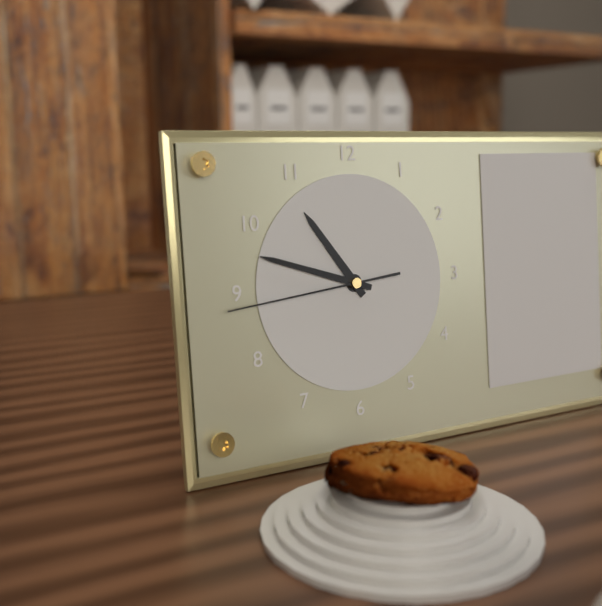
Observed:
10.48.44
